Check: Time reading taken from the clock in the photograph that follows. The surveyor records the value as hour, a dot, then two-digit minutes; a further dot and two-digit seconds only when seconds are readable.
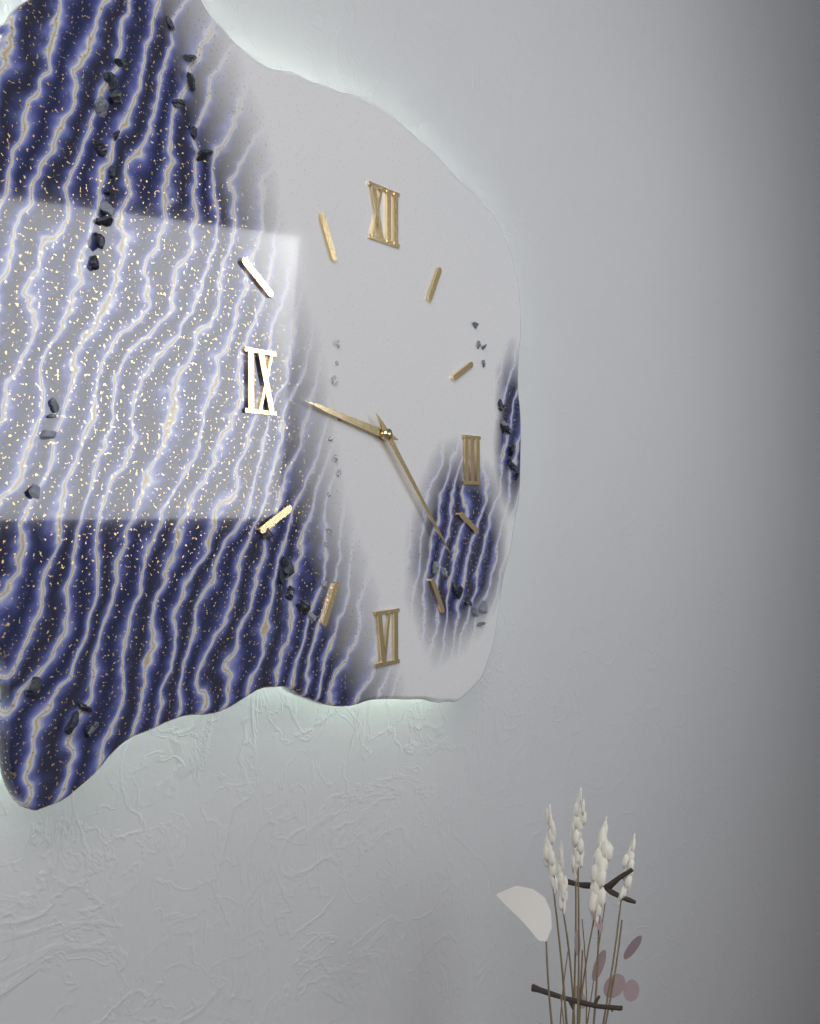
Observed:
9.23
